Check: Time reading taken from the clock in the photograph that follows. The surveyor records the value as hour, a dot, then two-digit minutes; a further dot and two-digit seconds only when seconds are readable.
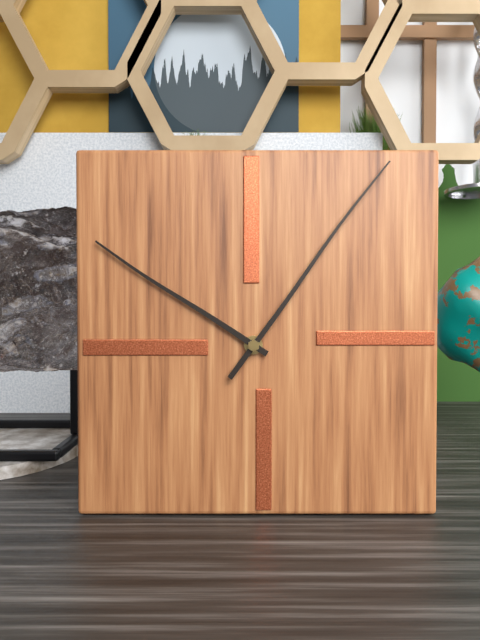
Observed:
10.06
